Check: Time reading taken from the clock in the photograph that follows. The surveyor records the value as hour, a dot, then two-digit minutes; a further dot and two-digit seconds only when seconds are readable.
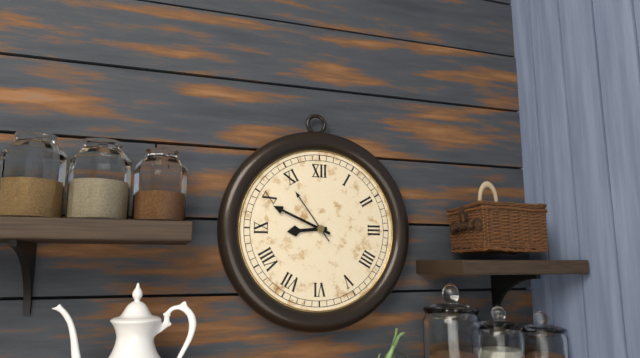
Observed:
8.49.54
